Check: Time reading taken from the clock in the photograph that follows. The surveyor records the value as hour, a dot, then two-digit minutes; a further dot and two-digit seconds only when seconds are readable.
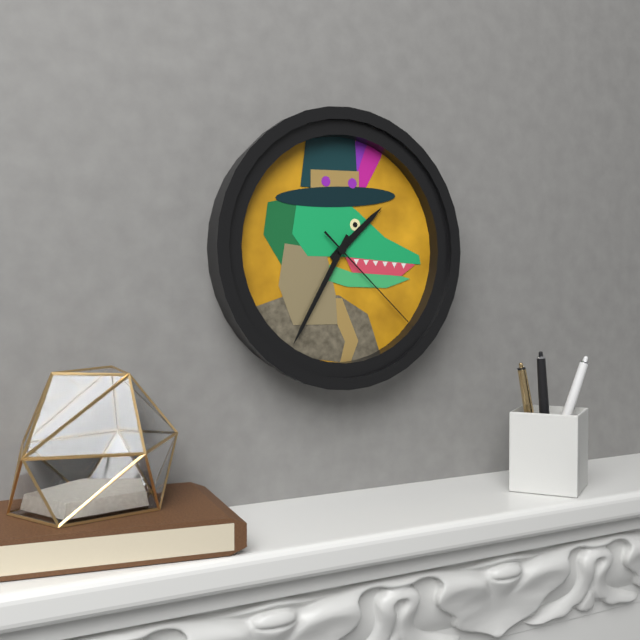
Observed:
1.35.22
